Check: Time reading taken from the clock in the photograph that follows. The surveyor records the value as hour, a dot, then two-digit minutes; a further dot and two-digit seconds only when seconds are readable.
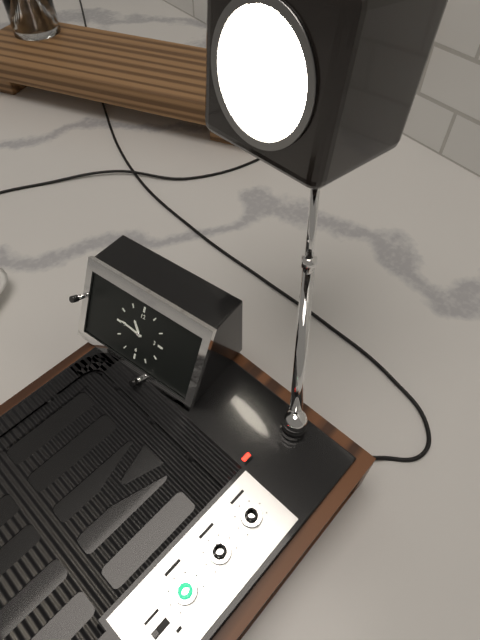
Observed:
10.46
